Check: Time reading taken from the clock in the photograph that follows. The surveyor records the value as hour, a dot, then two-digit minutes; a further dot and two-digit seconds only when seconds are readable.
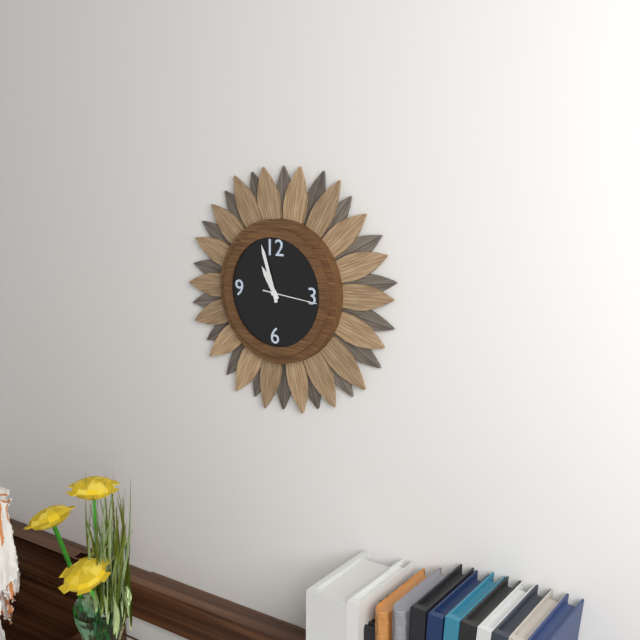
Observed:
10.57
